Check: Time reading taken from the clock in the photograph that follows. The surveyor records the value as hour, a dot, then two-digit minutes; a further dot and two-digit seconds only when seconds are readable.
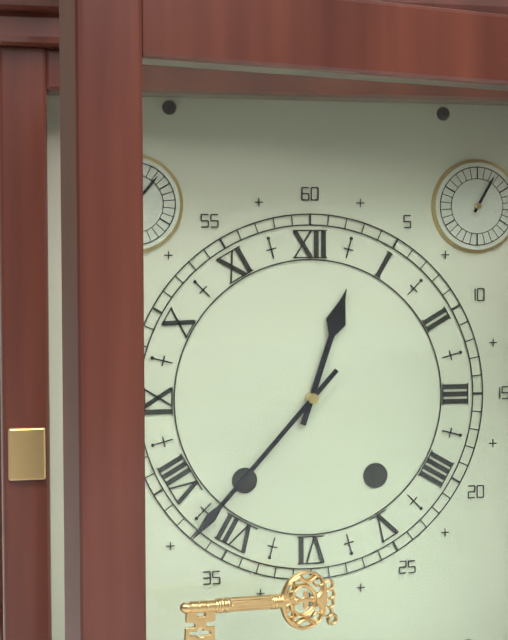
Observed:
12.37
